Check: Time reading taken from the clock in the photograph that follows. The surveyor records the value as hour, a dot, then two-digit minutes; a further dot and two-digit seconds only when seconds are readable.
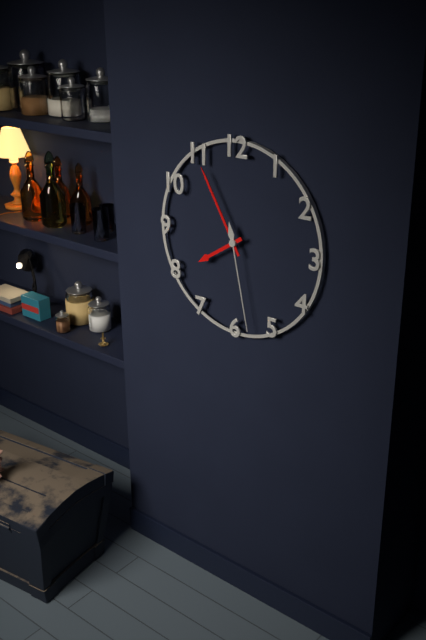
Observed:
7.55.28
